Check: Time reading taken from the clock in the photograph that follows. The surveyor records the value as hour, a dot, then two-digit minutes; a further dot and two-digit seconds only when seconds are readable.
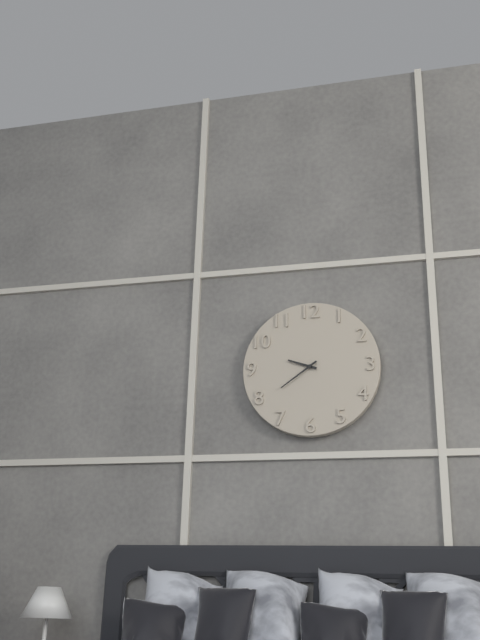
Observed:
9.39
